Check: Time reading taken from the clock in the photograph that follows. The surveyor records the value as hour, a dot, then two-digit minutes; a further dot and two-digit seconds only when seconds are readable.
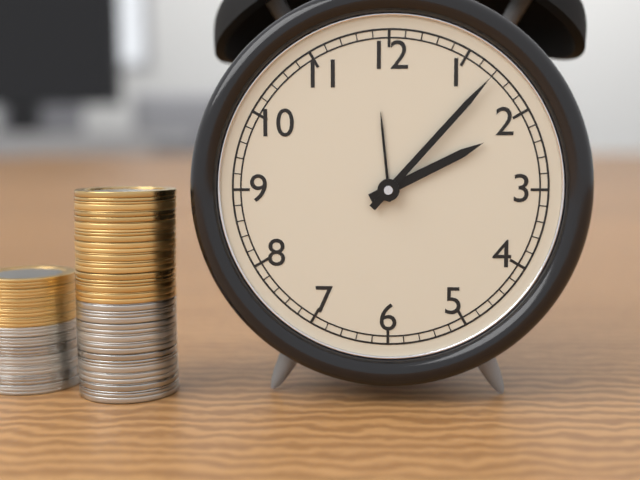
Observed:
2.07
